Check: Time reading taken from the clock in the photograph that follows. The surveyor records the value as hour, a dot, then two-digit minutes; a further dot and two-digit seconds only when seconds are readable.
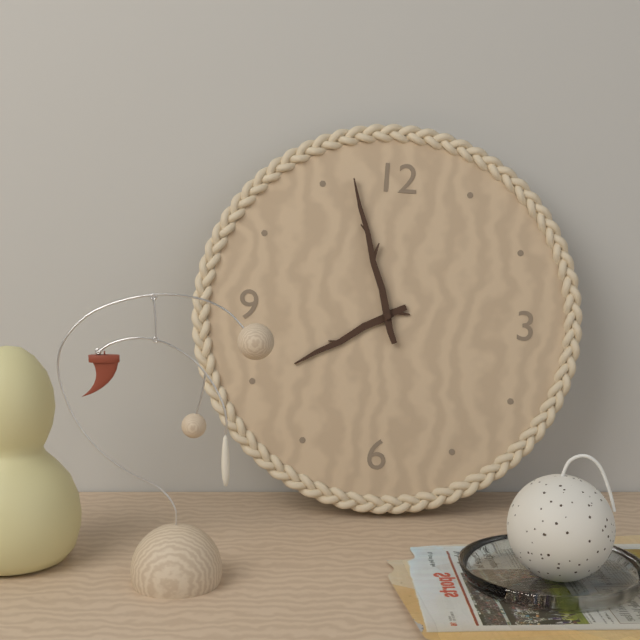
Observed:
7.57
